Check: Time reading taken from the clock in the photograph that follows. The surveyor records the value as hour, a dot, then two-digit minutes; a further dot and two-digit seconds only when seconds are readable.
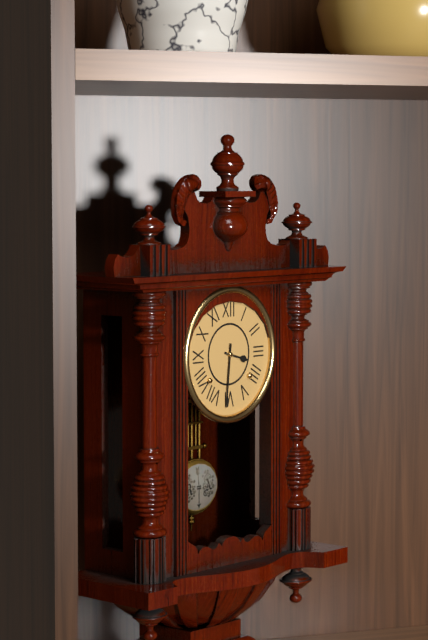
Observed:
3.31
